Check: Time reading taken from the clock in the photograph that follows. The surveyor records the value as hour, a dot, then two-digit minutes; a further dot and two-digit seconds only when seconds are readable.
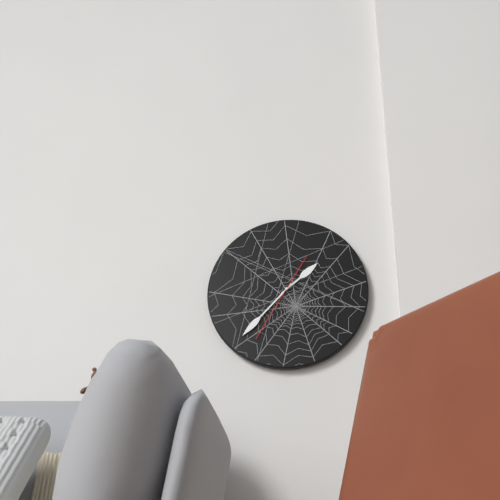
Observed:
1.37.35
